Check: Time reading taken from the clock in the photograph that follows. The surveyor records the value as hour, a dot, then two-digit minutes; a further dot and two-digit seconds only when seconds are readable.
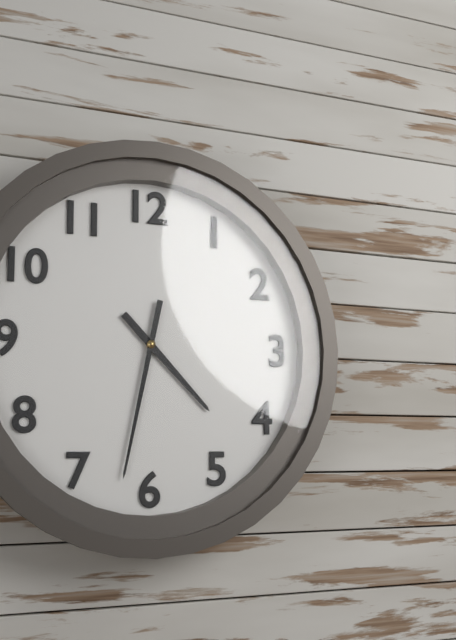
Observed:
4.32
